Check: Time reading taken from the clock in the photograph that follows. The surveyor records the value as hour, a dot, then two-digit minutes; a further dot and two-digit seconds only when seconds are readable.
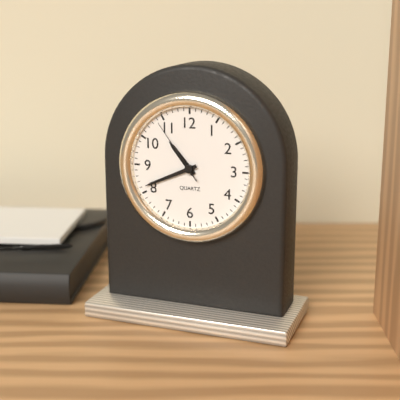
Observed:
10.41.54
